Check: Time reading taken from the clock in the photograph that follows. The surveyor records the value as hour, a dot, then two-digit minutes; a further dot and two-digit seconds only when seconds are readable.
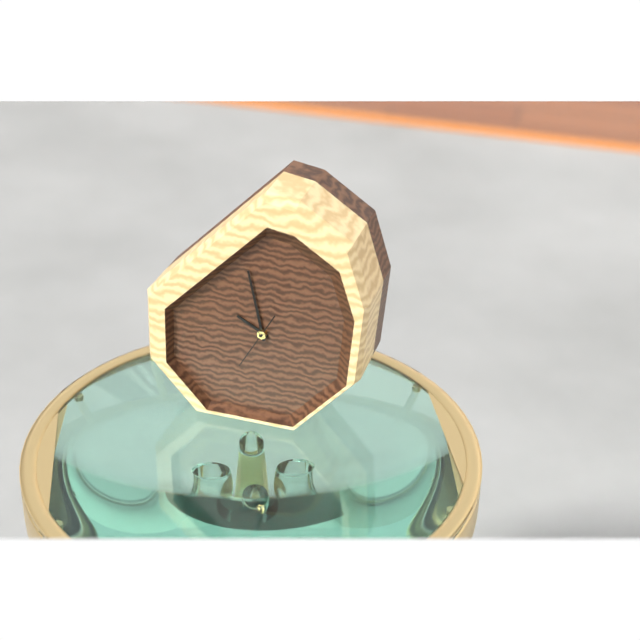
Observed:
9.58
